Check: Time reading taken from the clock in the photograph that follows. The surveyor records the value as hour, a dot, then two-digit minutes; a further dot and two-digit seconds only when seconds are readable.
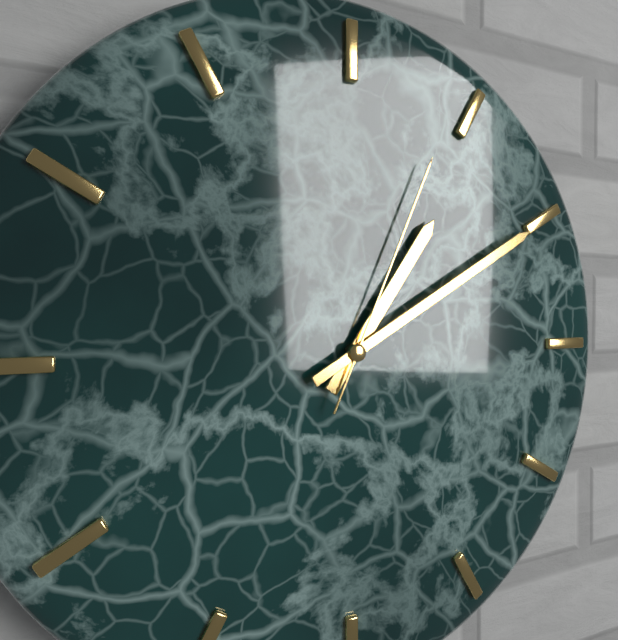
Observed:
1.10.04
